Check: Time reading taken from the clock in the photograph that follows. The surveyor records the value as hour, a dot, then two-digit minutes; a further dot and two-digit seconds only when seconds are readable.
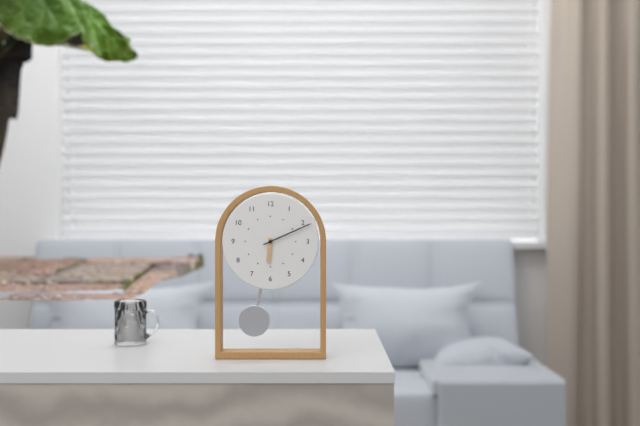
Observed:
6.11
